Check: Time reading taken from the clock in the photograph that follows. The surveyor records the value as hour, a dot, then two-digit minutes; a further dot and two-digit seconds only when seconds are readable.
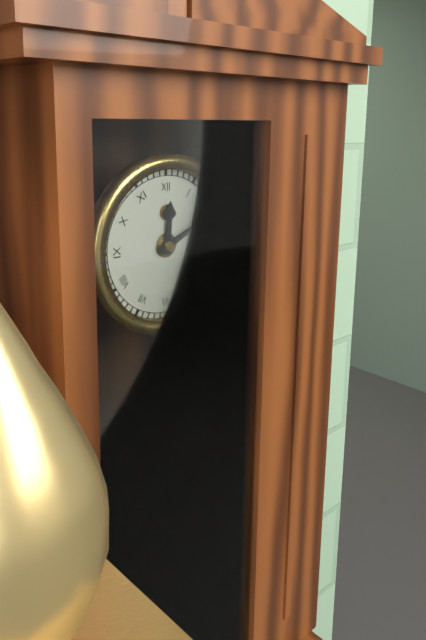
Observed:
12.11
